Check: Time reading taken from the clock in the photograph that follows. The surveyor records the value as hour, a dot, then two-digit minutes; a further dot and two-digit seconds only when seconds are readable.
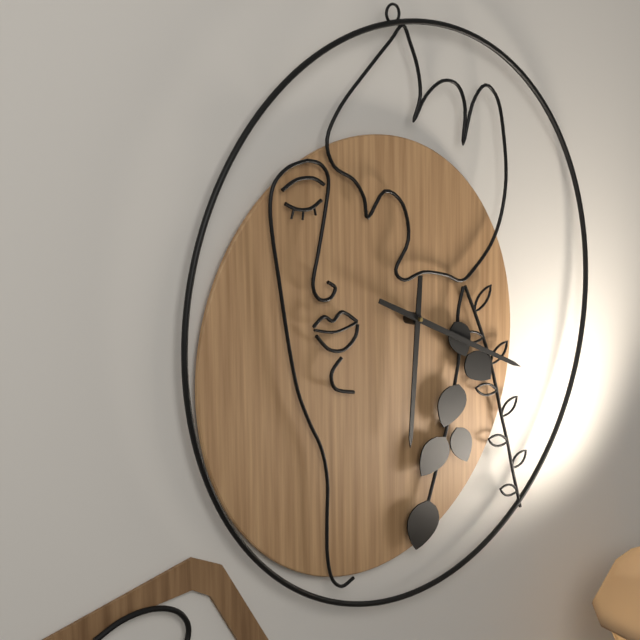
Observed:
6.20
